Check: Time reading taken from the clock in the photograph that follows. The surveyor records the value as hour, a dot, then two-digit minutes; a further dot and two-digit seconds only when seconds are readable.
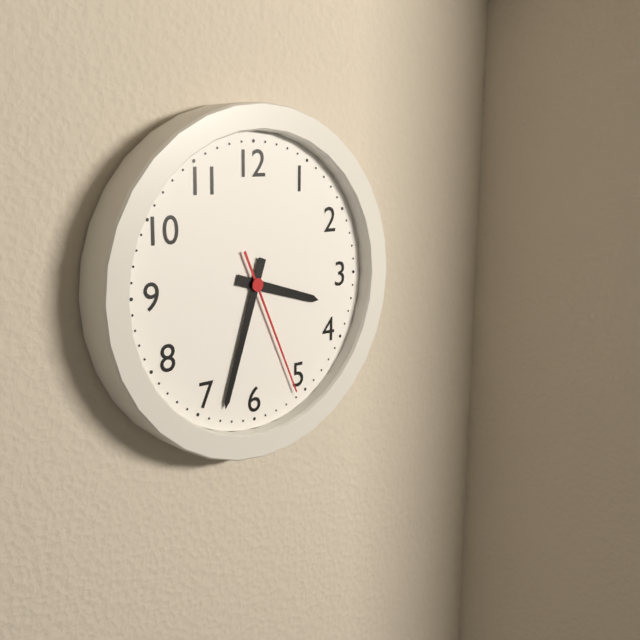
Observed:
3.33.26
